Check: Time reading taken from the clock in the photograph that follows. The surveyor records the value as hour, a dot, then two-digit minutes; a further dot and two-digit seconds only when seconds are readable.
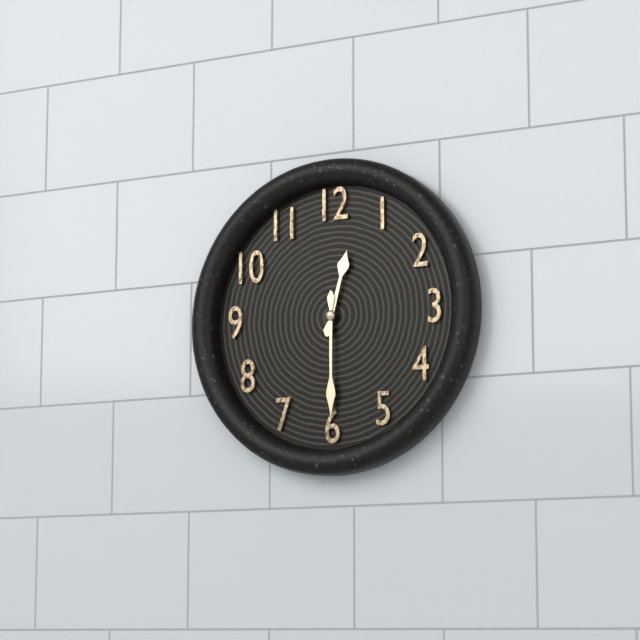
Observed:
12.30
